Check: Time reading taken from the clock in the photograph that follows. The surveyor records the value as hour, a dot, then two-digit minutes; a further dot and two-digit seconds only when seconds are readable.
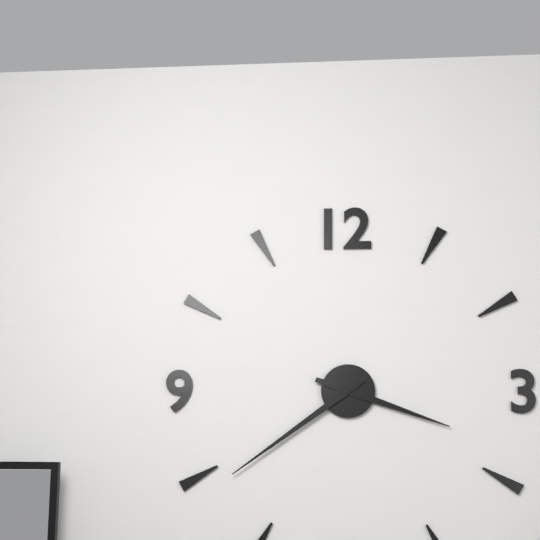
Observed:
3.39
